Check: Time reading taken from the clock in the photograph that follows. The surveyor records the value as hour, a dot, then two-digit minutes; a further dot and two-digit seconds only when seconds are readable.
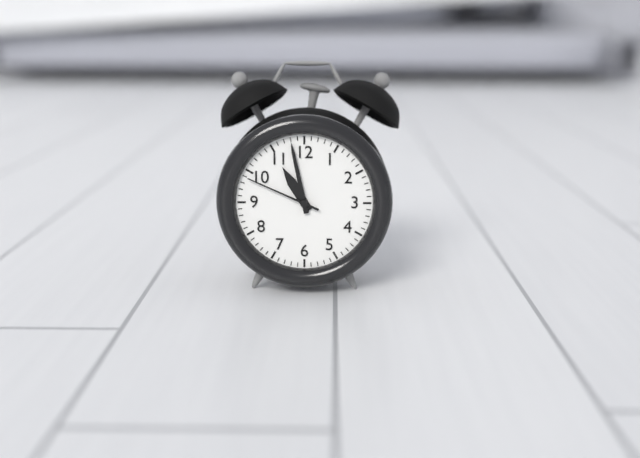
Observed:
10.58.49
